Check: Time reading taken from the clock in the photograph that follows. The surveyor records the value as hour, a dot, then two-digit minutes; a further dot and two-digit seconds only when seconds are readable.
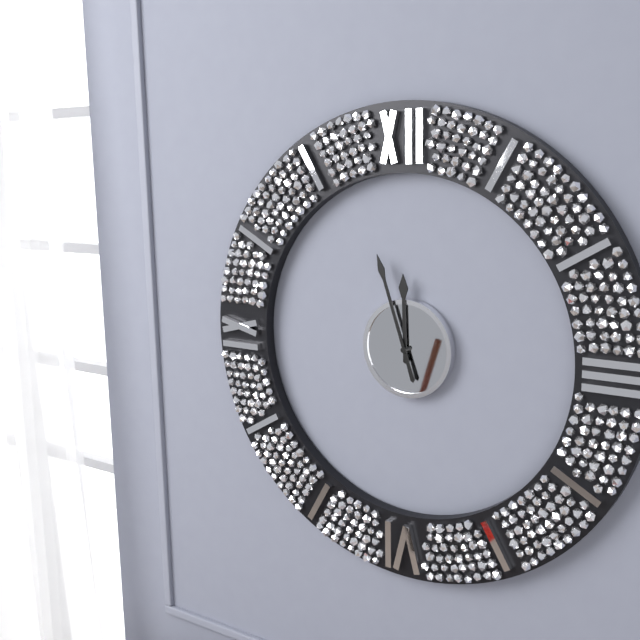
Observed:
11.57
